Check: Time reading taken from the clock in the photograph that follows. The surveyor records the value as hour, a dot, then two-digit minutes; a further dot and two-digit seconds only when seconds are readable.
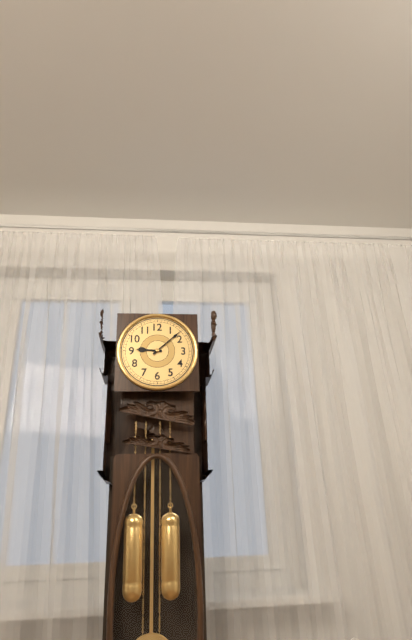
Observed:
9.08
